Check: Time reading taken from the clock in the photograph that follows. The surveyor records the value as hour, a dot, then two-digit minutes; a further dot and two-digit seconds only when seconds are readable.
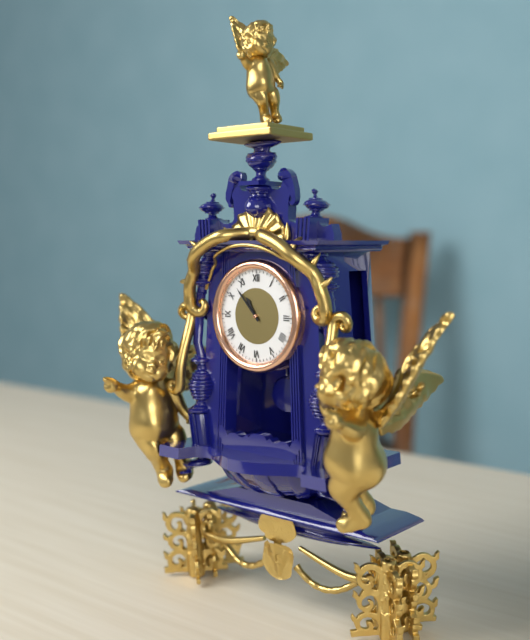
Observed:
10.53
